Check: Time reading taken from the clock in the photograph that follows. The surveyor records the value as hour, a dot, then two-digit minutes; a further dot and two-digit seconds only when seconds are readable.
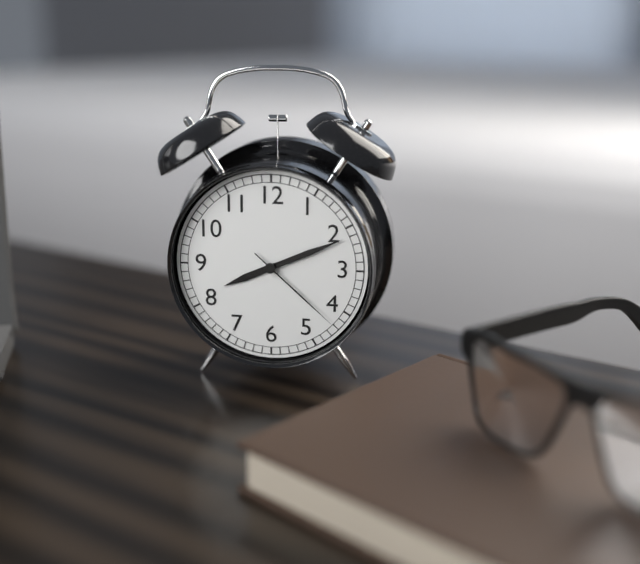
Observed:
8.11.22
